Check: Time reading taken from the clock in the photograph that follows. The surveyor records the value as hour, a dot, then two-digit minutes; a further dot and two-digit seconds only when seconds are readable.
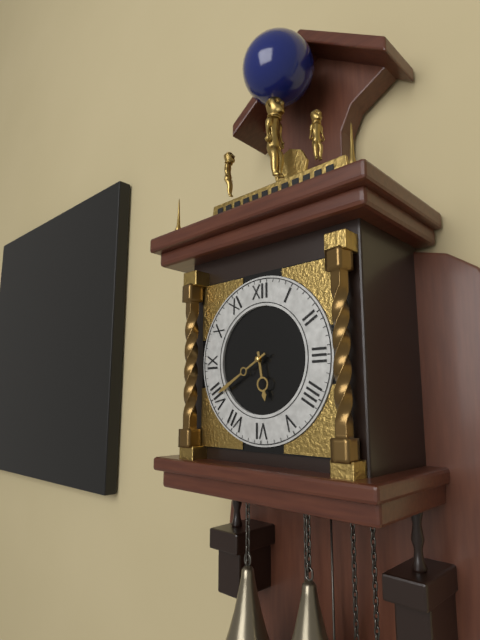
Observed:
5.40
